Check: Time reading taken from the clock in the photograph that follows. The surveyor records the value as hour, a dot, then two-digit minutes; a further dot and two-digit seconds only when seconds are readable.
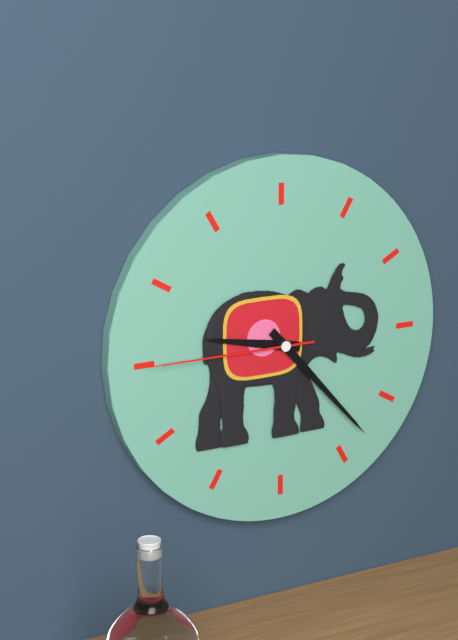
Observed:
9.23.45
